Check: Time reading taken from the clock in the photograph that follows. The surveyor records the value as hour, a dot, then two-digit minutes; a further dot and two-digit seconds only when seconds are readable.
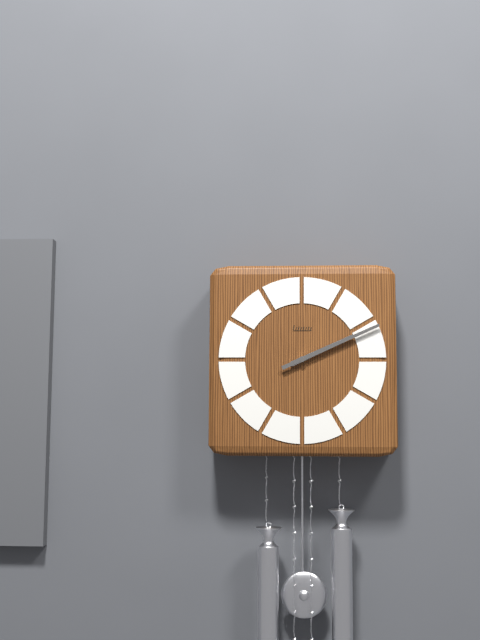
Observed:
2.11
